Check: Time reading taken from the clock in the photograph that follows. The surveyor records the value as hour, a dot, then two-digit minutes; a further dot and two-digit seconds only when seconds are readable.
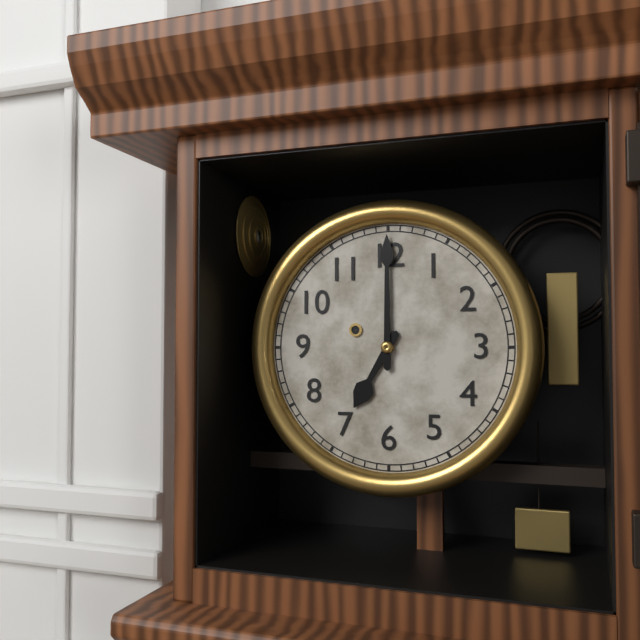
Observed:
7.00
